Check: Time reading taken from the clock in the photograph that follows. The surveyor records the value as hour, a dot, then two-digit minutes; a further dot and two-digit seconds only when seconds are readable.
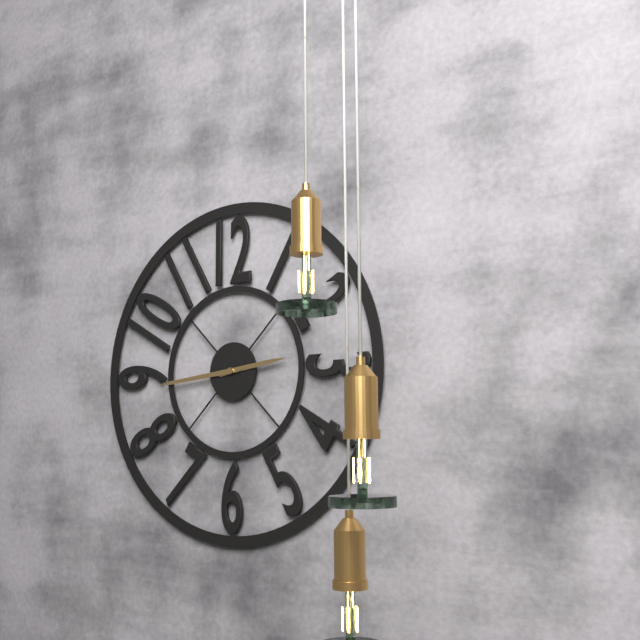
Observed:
2.44
